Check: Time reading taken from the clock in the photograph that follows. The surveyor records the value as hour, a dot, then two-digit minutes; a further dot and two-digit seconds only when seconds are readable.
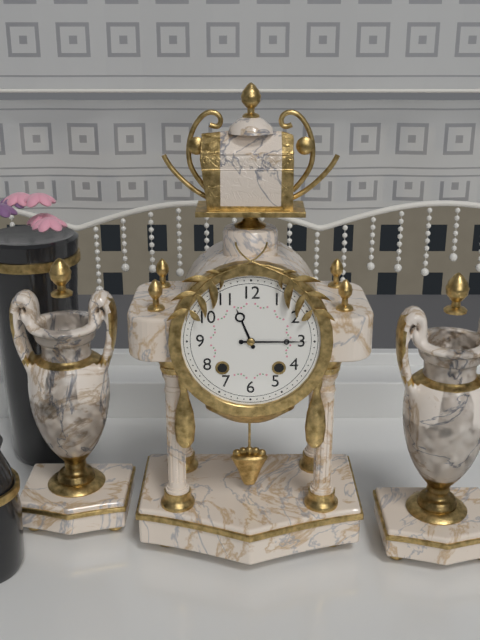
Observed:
11.15
